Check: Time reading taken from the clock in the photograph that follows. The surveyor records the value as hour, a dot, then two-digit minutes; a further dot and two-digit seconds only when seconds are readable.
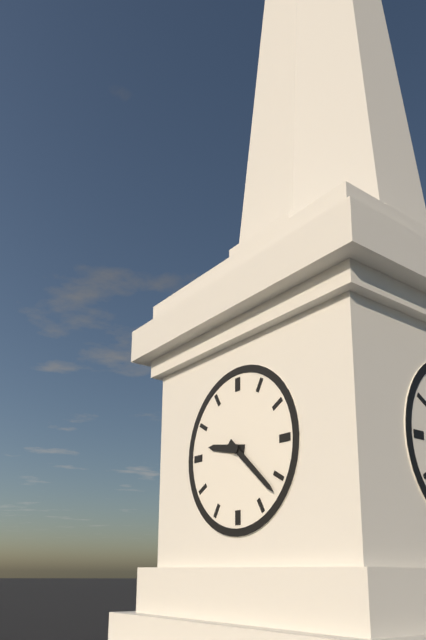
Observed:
9.22
